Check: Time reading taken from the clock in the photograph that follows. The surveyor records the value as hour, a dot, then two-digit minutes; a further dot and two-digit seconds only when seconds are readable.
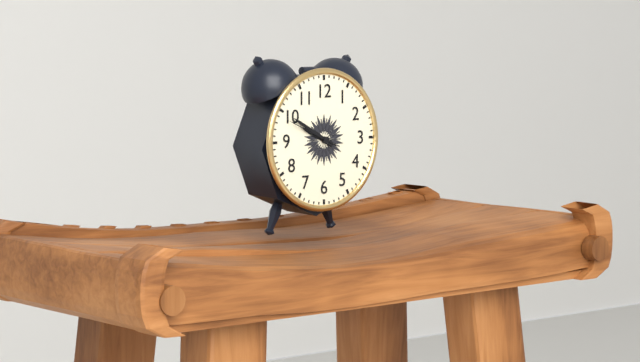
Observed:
9.50.49
